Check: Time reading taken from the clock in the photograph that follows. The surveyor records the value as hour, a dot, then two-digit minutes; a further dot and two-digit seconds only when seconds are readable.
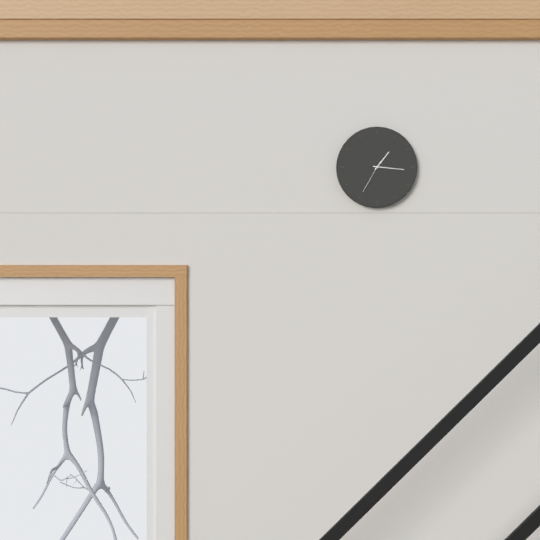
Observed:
1.16
